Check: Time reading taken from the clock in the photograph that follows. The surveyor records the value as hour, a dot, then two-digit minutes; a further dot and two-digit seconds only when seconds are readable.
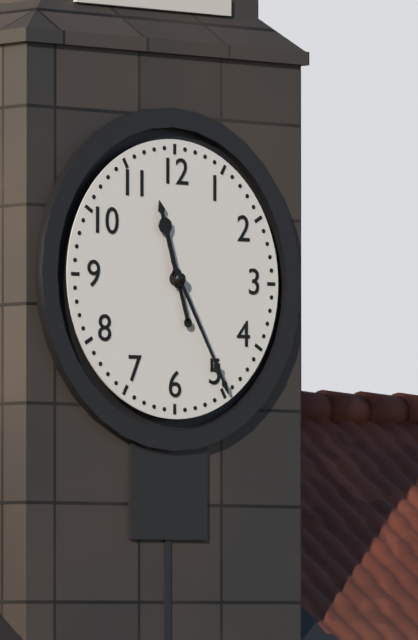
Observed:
11.25
